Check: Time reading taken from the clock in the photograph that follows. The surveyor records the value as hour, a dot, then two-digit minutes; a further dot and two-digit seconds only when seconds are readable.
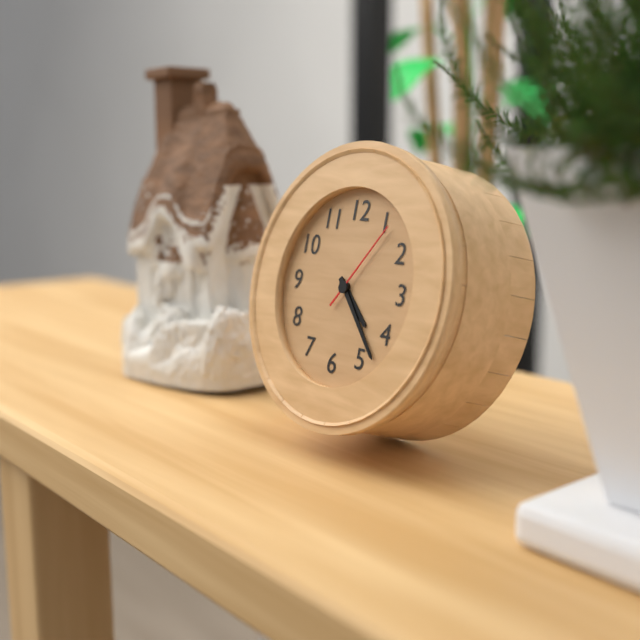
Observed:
4.23.06
